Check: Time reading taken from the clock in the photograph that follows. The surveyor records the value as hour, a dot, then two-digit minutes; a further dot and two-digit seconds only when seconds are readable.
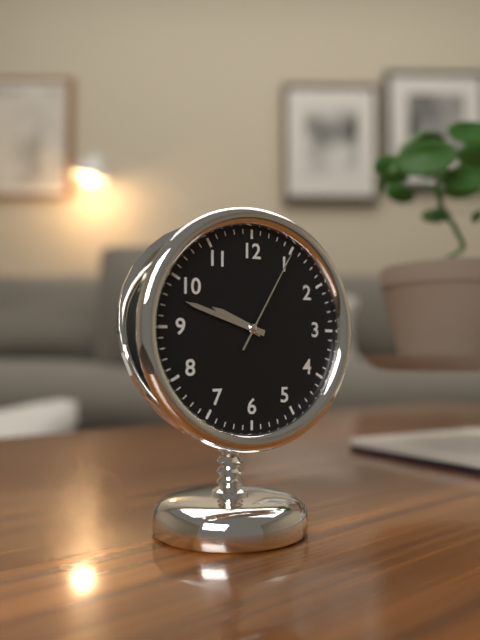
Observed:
9.48.05
